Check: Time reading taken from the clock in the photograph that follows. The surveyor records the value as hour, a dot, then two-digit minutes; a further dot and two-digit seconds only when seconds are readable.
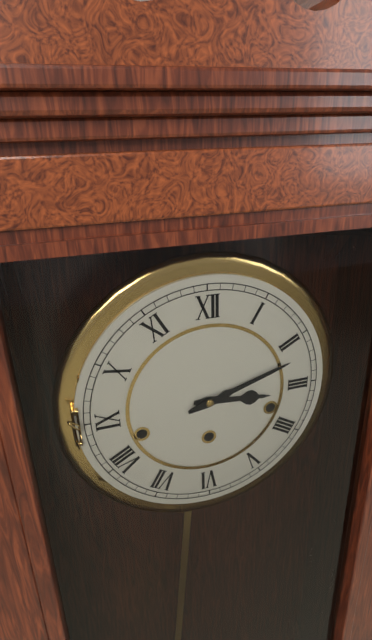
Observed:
3.12
